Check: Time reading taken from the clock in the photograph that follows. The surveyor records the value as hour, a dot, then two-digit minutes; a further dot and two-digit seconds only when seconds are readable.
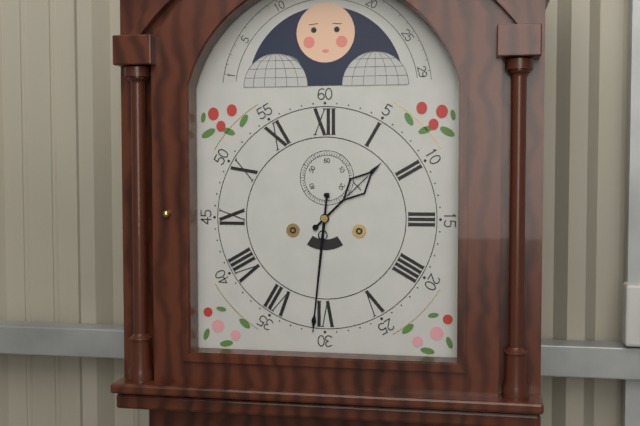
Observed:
1.31
